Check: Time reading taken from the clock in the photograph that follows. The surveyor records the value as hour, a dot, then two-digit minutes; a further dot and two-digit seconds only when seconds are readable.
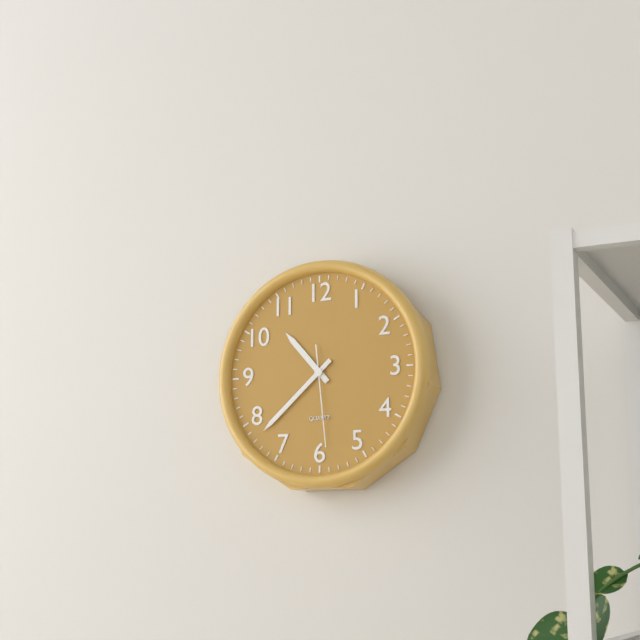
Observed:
10.38.29
